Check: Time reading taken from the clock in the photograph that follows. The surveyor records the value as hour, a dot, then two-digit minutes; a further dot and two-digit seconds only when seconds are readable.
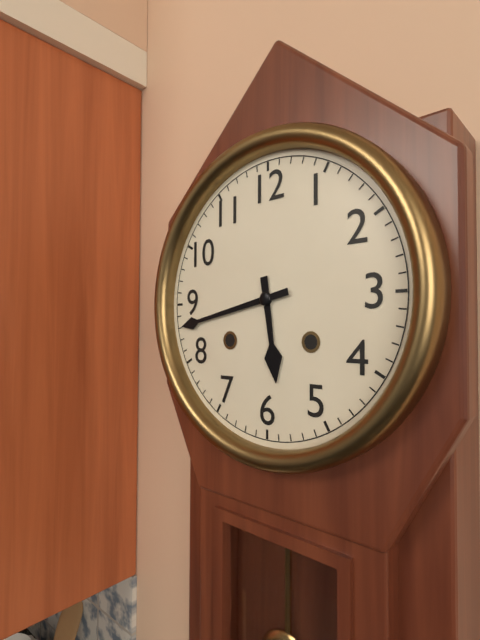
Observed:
5.43
